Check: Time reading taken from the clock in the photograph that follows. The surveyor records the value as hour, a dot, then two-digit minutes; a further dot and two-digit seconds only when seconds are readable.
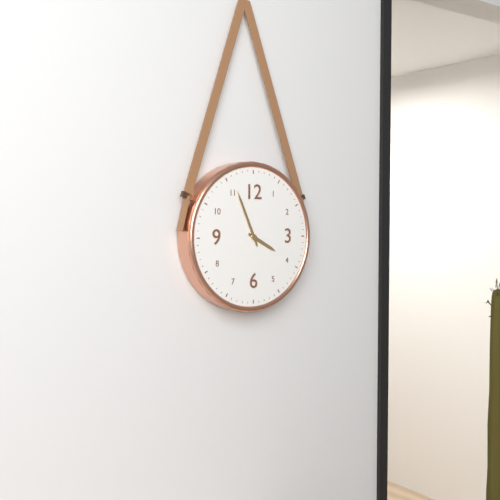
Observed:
3.56
